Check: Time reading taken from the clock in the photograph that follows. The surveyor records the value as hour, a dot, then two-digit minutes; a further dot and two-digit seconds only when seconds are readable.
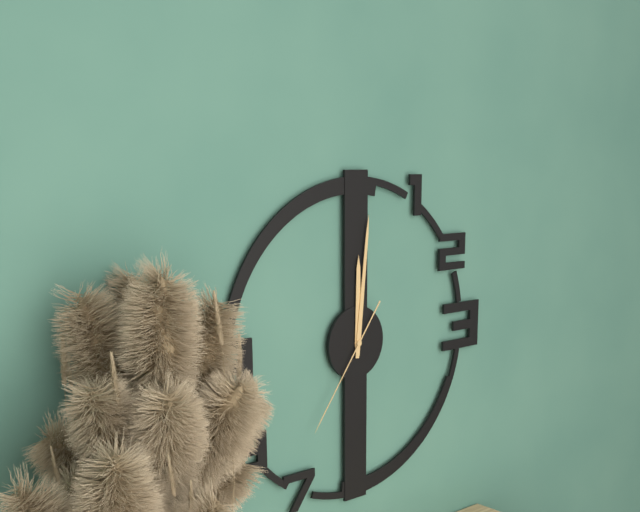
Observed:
12.01.36
